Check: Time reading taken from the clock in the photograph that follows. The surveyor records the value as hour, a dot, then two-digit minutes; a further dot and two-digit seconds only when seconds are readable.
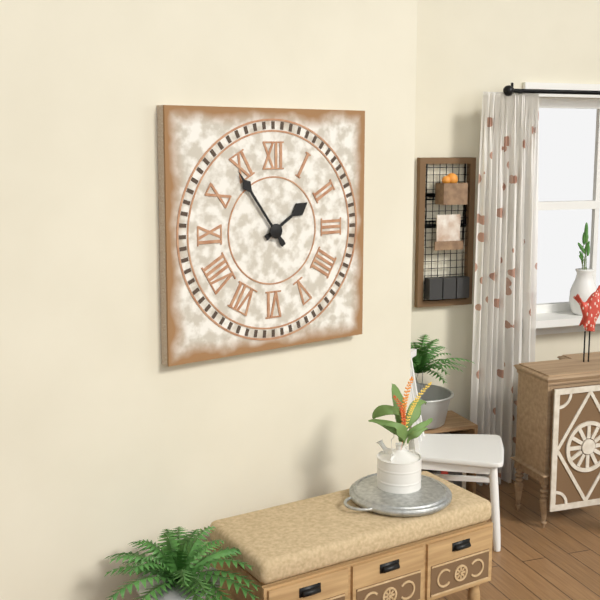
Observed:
1.54
